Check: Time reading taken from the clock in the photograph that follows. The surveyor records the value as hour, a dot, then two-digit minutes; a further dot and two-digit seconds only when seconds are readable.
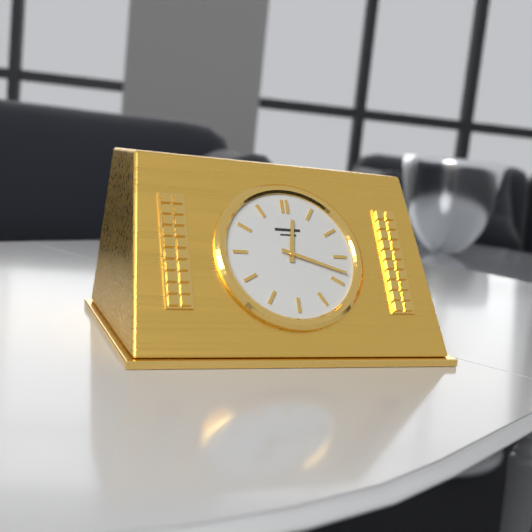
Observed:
12.18
